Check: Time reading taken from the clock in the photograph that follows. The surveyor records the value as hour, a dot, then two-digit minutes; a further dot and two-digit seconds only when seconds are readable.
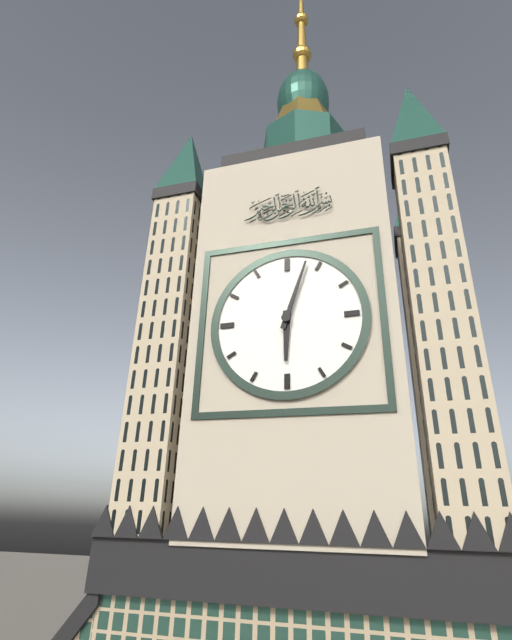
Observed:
6.03
